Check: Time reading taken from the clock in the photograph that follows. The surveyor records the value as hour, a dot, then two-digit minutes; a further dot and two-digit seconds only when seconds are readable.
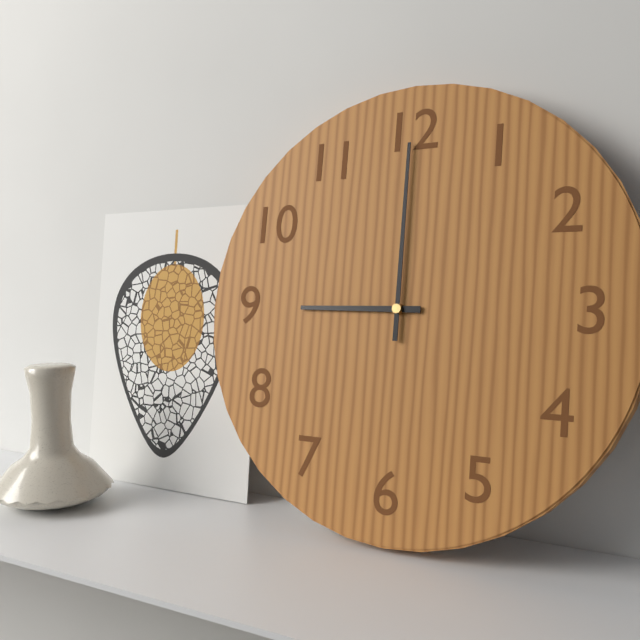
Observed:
9.00
